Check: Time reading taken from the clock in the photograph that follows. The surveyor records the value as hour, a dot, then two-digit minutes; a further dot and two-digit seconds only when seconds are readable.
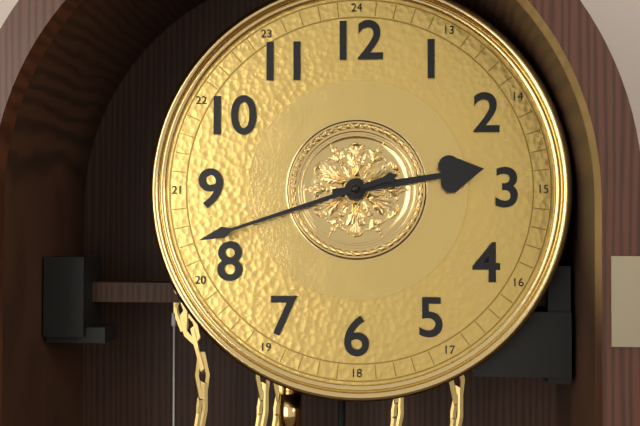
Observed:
2.42
